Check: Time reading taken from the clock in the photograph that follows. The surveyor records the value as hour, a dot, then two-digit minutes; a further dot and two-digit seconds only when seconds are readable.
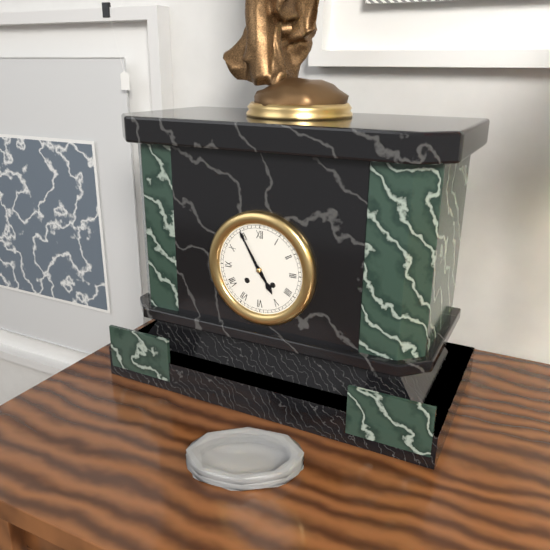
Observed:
4.55
